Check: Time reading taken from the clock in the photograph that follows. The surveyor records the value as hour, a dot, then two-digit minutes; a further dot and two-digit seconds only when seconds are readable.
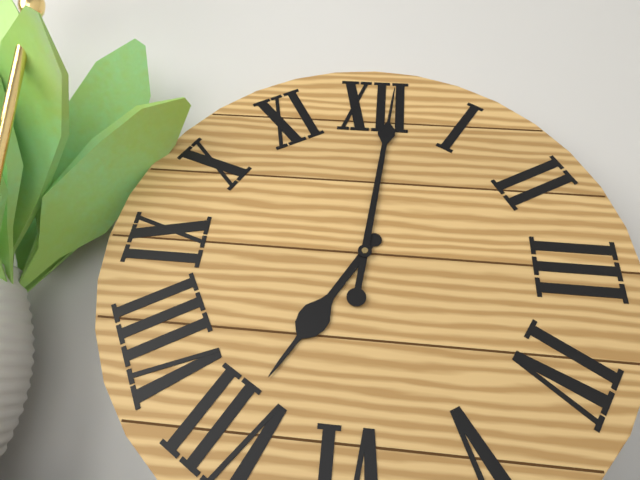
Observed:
7.01
